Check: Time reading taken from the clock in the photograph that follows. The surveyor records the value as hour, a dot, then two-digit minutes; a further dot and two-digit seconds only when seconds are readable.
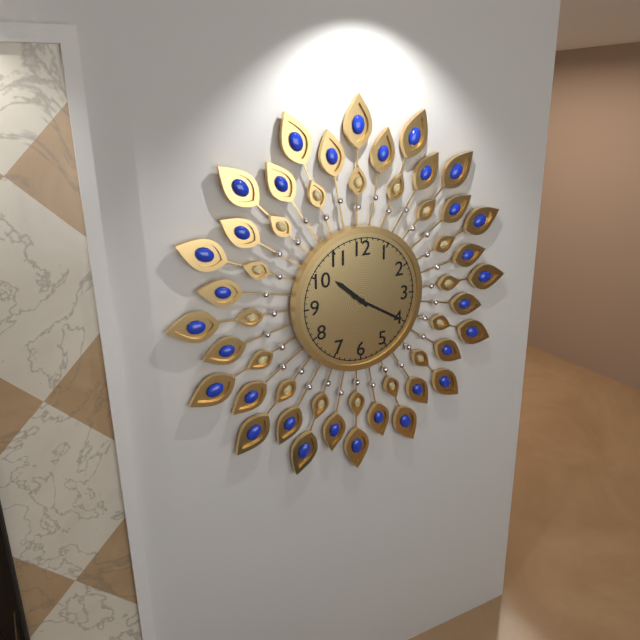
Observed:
10.20
